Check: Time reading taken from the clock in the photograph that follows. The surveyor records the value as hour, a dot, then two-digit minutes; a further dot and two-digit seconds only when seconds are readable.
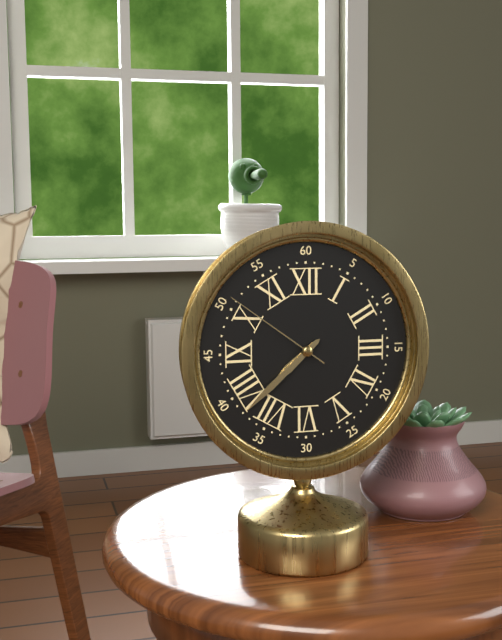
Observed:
7.38.51
